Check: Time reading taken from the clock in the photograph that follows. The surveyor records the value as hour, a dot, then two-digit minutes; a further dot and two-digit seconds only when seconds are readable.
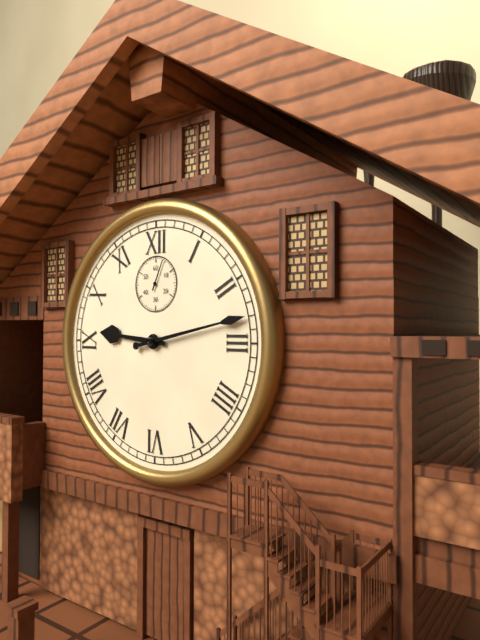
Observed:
9.13
